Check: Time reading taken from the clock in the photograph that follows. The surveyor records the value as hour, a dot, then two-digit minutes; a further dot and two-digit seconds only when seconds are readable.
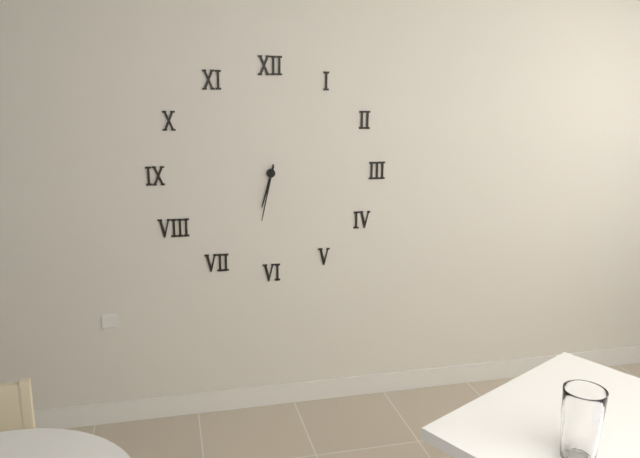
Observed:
6.32
